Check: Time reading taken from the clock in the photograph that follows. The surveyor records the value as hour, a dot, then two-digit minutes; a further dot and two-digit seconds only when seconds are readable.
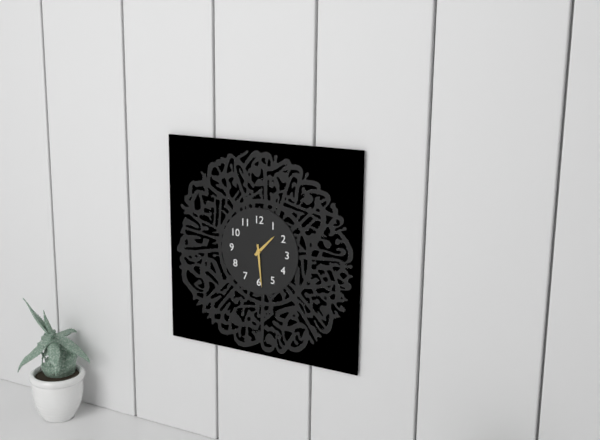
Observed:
1.29
